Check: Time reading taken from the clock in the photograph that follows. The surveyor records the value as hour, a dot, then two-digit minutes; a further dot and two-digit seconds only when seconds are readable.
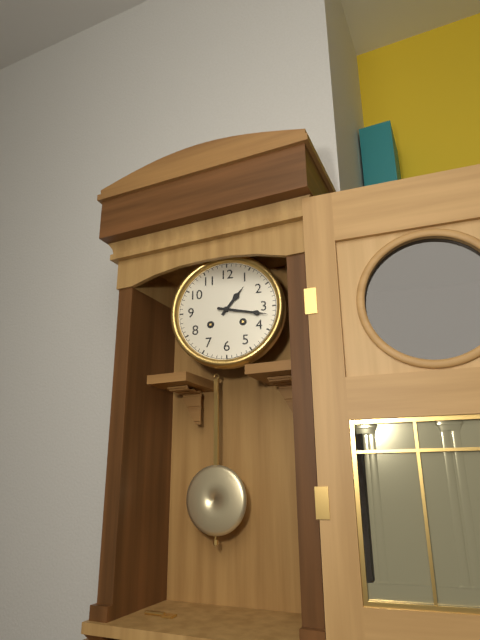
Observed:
1.17
